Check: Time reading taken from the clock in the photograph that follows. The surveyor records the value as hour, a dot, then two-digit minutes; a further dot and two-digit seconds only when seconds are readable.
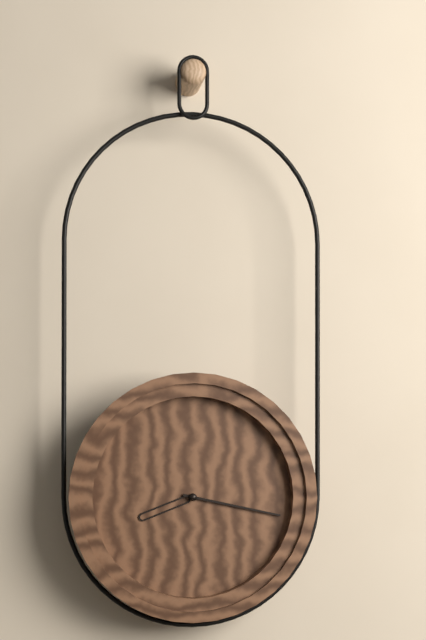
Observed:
8.17
